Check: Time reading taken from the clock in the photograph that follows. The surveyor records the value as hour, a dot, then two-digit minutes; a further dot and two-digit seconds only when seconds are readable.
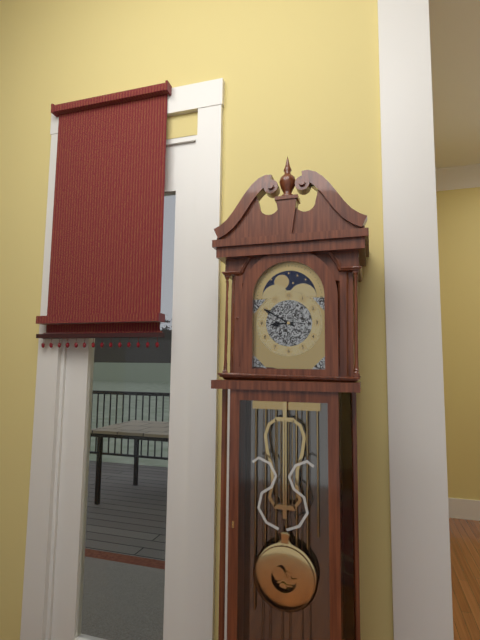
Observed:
8.50
